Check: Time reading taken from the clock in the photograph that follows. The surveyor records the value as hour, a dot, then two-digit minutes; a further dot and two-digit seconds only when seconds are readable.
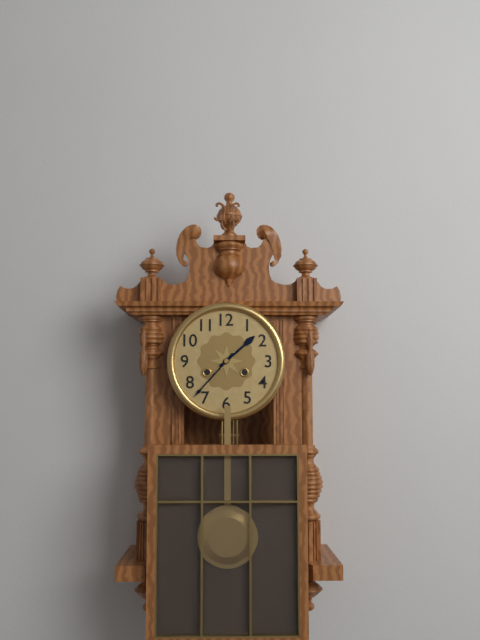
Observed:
1.37
